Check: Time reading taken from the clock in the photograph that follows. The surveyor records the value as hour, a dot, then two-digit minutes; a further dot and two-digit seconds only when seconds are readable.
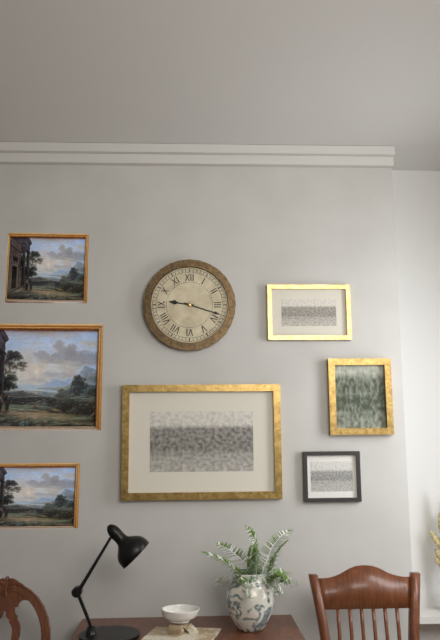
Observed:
9.18
